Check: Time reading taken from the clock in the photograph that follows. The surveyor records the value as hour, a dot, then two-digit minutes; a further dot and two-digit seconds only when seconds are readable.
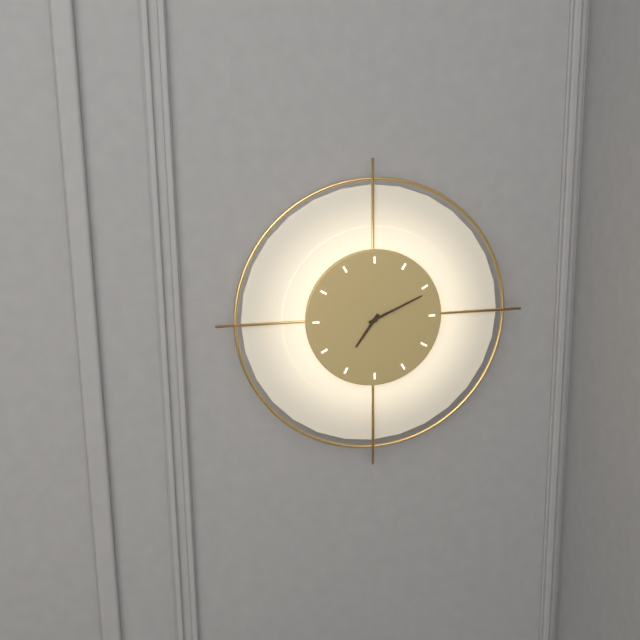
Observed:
7.11
